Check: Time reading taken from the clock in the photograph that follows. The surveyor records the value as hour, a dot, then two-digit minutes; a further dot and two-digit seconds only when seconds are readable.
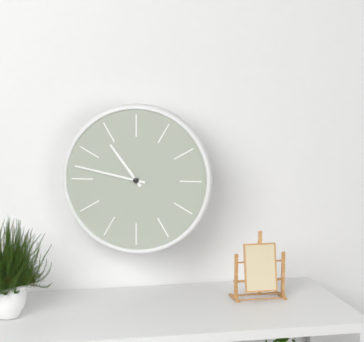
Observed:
10.47
